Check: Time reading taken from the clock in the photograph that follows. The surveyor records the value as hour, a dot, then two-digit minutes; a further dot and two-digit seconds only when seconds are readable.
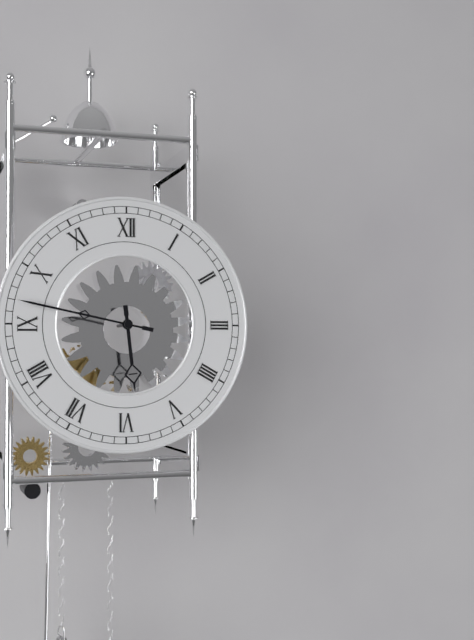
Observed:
5.47
